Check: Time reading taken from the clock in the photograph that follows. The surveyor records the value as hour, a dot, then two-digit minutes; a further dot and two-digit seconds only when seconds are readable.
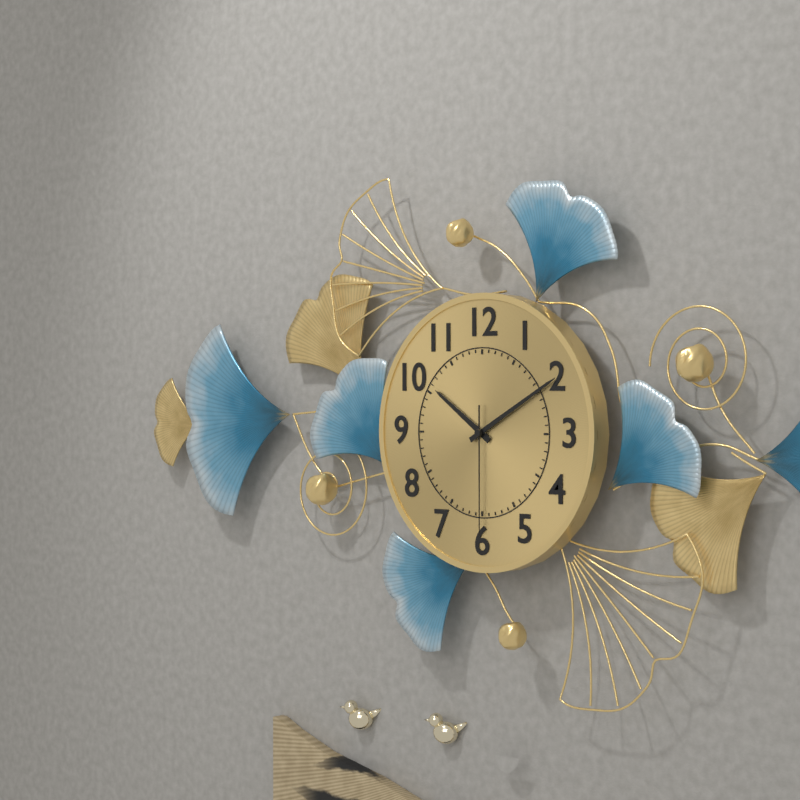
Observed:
10.10.30
